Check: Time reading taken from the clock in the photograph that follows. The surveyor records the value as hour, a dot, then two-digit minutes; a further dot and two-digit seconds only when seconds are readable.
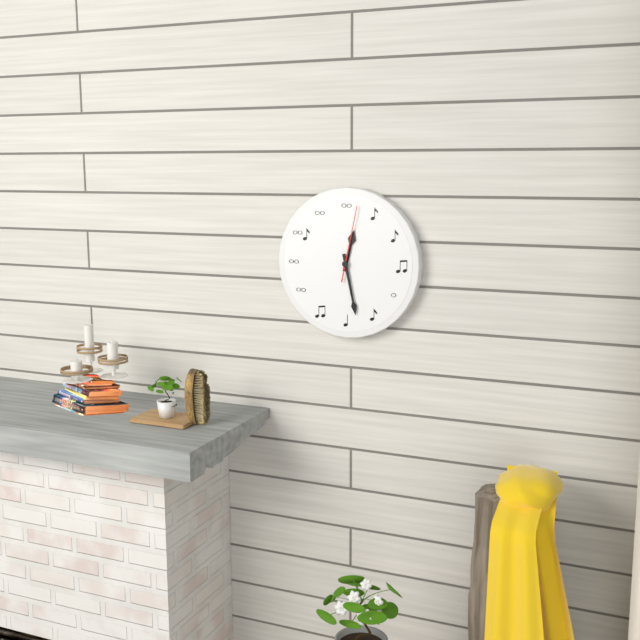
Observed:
12.28.02
